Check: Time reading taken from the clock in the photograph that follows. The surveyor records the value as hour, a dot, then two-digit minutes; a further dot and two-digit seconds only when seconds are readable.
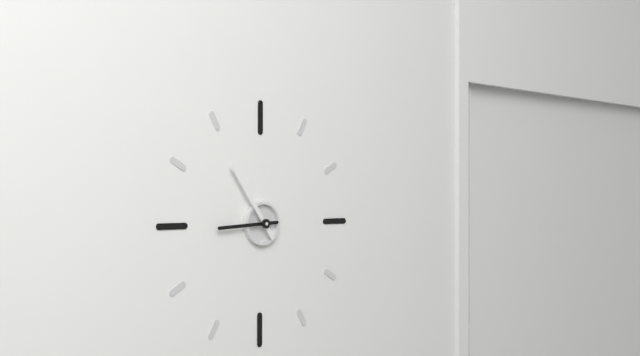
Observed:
8.54
